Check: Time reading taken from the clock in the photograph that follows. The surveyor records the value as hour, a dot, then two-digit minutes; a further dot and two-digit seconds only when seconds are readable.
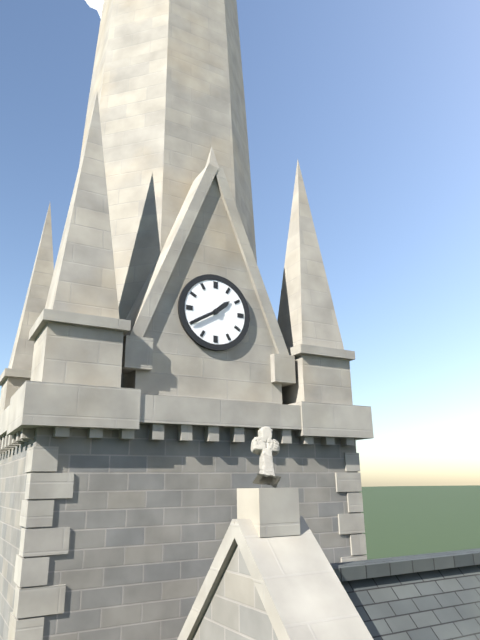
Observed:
1.40
